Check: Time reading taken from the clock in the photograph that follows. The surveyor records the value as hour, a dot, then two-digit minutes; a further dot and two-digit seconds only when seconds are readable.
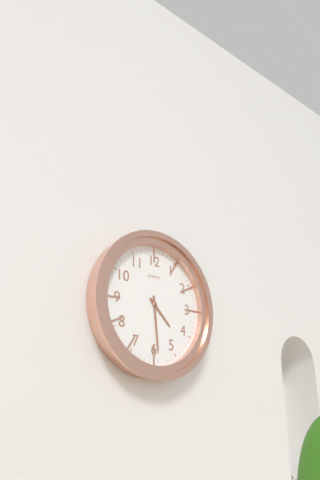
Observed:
4.29
